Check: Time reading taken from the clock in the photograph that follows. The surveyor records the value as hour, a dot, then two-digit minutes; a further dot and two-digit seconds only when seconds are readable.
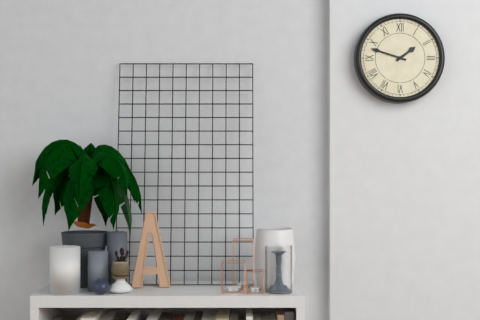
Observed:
1.48
